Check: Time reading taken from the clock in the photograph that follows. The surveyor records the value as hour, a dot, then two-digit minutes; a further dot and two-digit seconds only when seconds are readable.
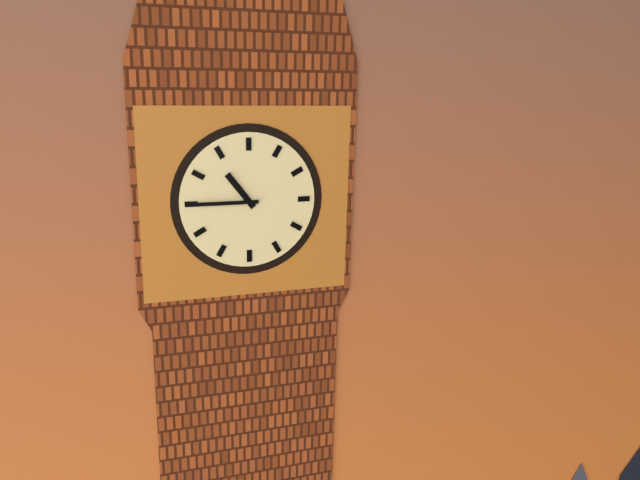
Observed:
10.45
